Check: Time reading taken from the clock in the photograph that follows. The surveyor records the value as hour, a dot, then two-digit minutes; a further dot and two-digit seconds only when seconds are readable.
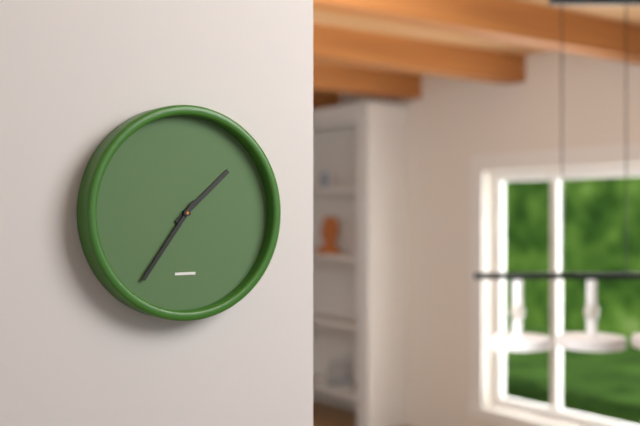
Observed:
1.36
